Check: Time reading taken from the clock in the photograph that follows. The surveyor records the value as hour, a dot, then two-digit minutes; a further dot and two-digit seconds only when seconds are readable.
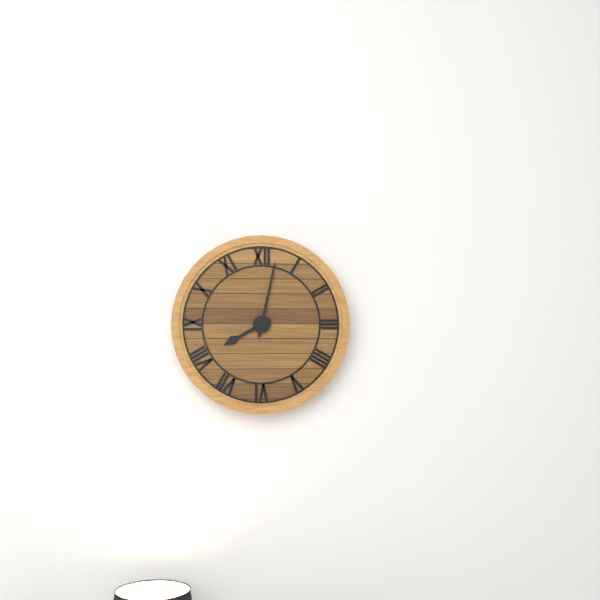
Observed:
8.02
